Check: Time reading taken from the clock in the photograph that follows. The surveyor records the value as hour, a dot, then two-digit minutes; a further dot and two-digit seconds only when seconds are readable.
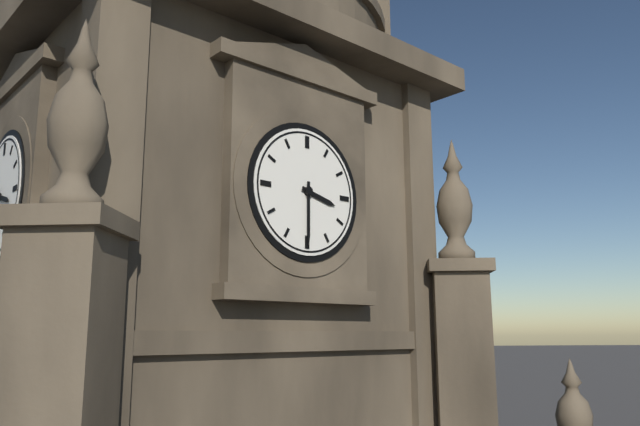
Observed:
3.30
